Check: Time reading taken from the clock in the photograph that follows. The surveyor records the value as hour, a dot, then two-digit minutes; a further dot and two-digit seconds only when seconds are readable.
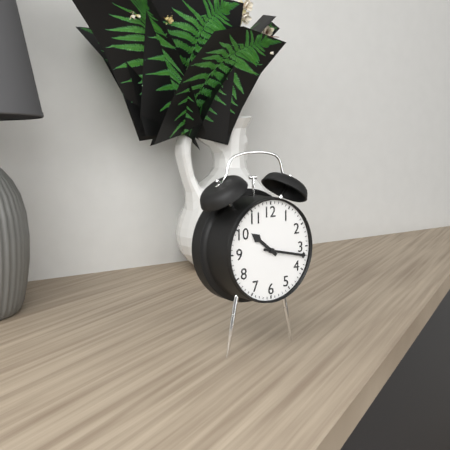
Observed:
10.17
